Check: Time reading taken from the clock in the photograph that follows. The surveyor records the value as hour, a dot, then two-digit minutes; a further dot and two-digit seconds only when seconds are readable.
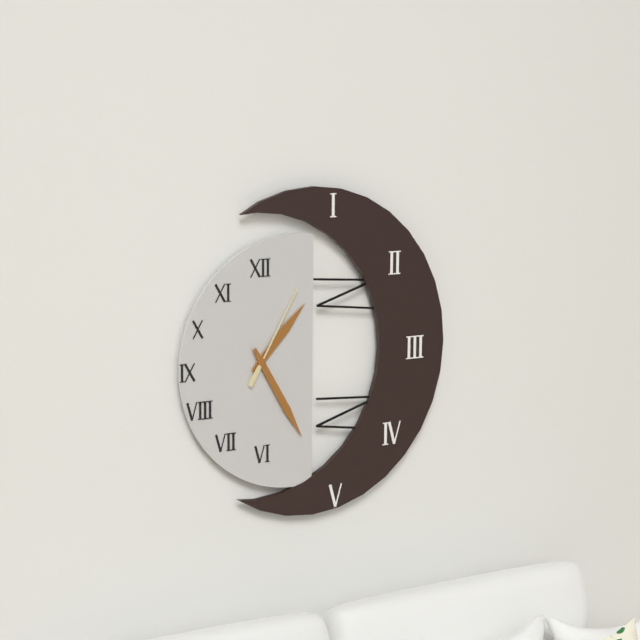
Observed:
1.25.05
